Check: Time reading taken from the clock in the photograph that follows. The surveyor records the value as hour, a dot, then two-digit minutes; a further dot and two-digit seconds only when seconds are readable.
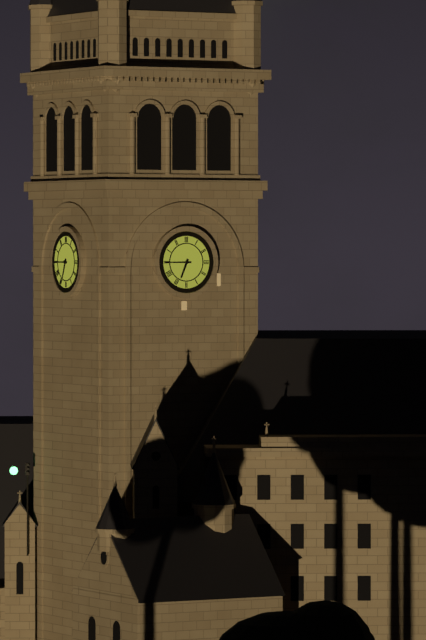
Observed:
6.45
